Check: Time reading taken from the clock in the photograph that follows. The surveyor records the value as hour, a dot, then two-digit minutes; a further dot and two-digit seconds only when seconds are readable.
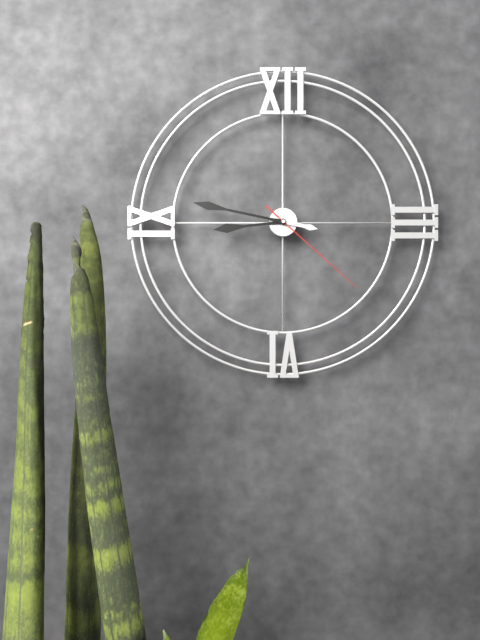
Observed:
8.47.22
